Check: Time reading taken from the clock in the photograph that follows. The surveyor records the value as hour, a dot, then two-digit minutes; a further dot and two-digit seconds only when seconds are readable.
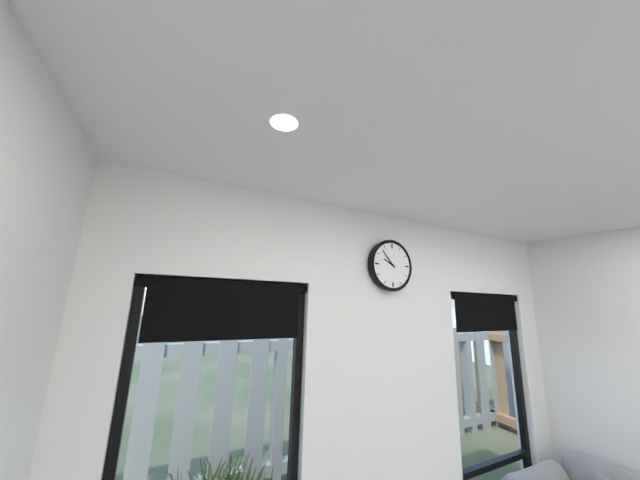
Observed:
9.53
